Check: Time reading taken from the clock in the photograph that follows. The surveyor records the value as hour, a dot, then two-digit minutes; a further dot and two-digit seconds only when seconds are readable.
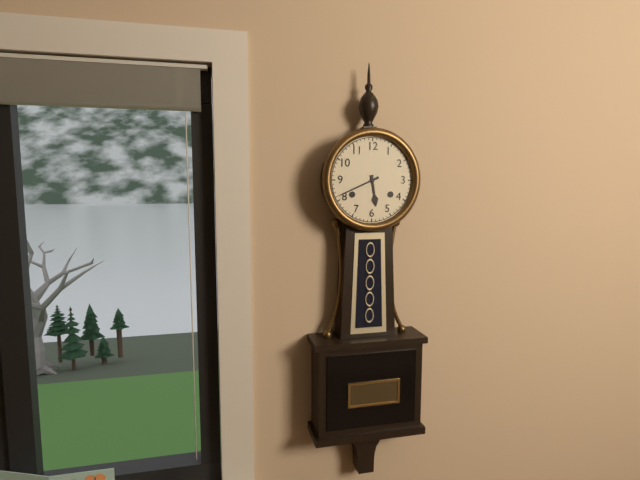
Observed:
5.41
